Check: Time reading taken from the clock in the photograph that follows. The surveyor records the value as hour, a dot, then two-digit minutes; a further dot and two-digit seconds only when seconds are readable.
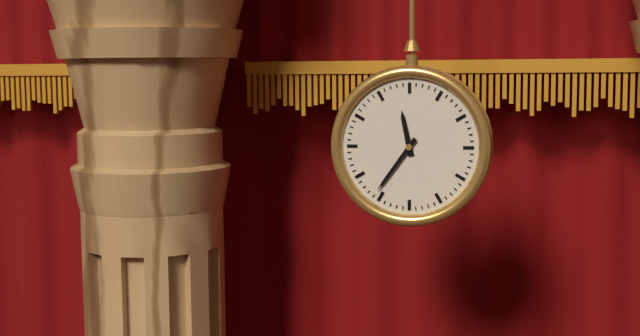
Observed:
11.36
